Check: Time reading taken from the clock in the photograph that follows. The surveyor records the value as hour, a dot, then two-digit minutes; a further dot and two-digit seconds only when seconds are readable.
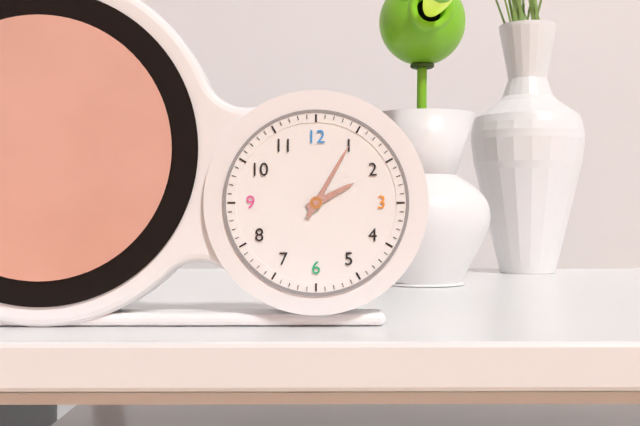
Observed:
2.05
